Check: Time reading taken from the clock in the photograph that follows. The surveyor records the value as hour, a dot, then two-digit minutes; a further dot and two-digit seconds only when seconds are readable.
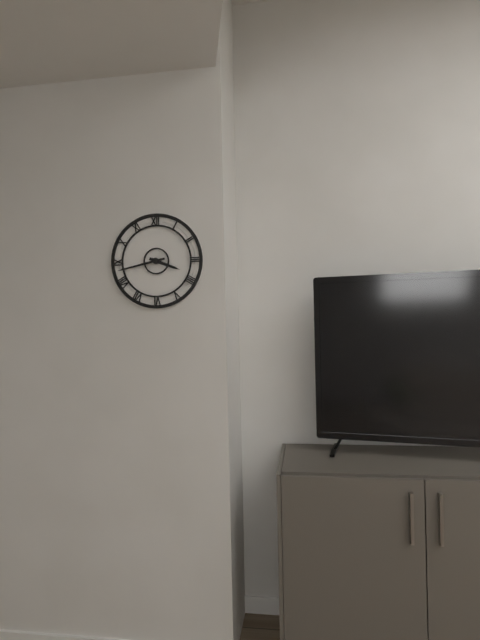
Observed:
3.43
